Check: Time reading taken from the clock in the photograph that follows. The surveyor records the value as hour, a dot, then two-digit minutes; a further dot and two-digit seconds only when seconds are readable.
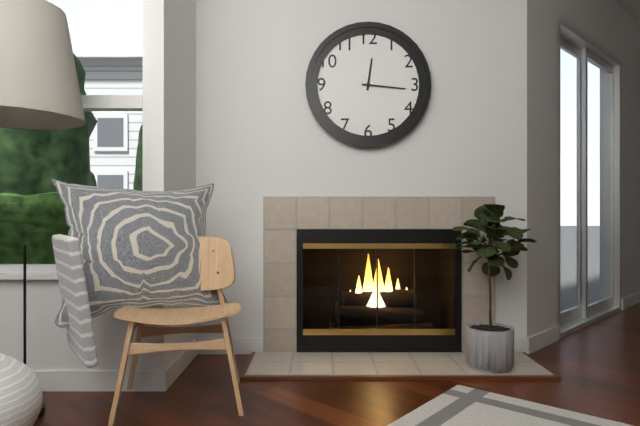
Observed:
12.16
